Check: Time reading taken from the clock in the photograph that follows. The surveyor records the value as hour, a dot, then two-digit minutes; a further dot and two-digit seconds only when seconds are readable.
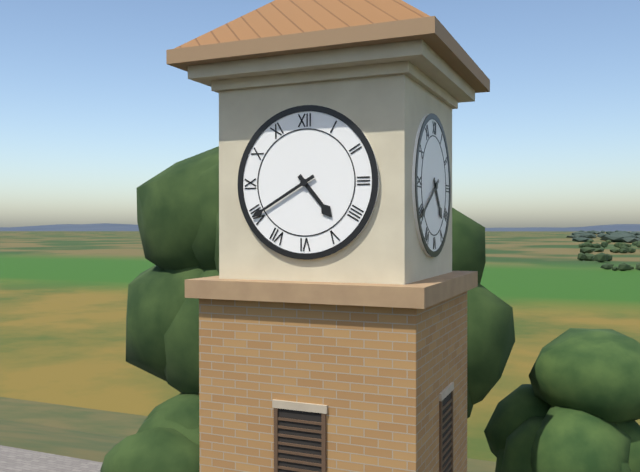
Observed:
4.40
